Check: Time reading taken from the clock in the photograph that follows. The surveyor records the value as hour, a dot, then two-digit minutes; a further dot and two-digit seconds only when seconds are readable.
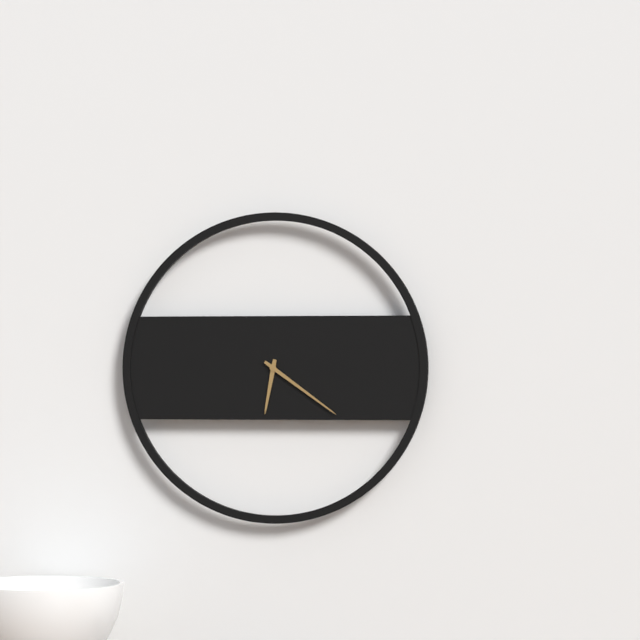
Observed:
6.21
